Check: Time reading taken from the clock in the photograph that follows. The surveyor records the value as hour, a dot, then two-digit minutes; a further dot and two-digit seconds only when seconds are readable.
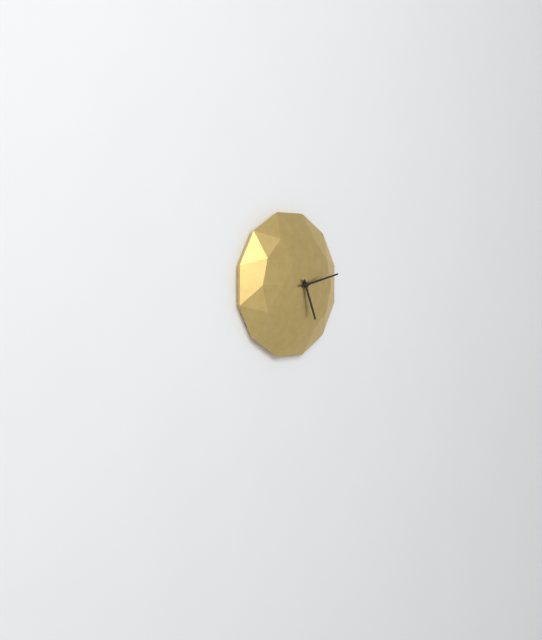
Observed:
5.13
